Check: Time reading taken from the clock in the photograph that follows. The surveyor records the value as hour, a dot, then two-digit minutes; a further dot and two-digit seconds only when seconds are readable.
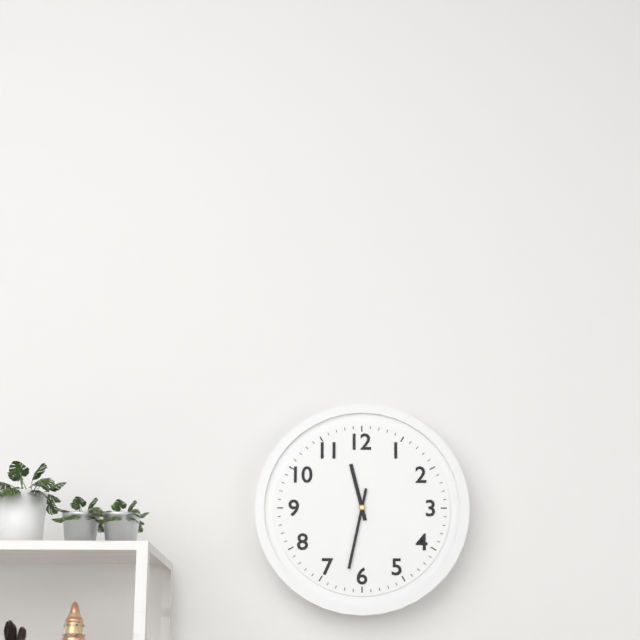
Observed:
11.32
